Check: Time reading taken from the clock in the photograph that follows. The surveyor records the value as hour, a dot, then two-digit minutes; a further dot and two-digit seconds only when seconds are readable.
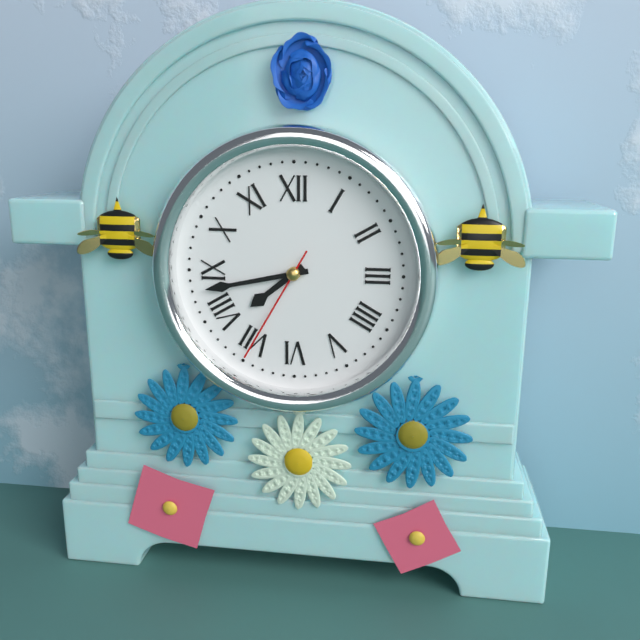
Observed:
7.43.35
